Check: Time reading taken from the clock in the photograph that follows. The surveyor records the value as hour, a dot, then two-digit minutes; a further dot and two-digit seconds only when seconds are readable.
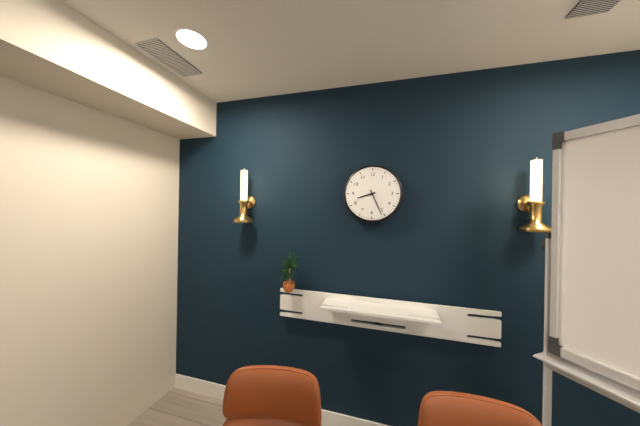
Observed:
8.26
